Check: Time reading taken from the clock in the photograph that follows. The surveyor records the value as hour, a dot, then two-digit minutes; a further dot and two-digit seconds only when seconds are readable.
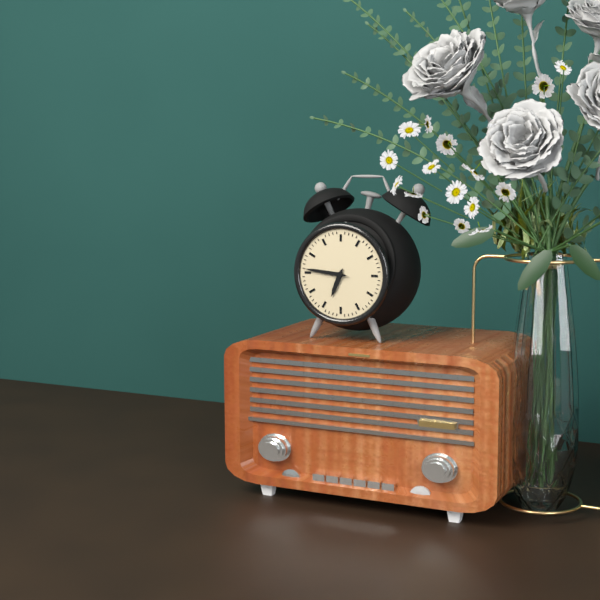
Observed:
6.46
